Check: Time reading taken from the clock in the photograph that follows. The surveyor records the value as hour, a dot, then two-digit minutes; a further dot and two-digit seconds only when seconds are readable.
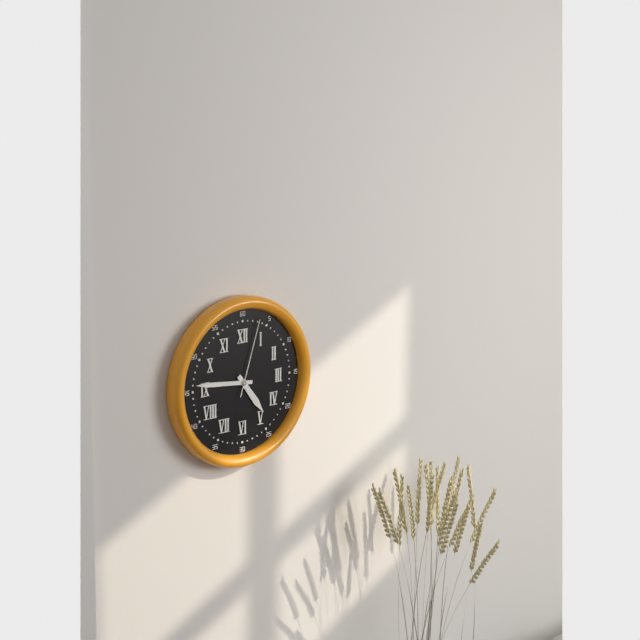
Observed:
4.46.03
